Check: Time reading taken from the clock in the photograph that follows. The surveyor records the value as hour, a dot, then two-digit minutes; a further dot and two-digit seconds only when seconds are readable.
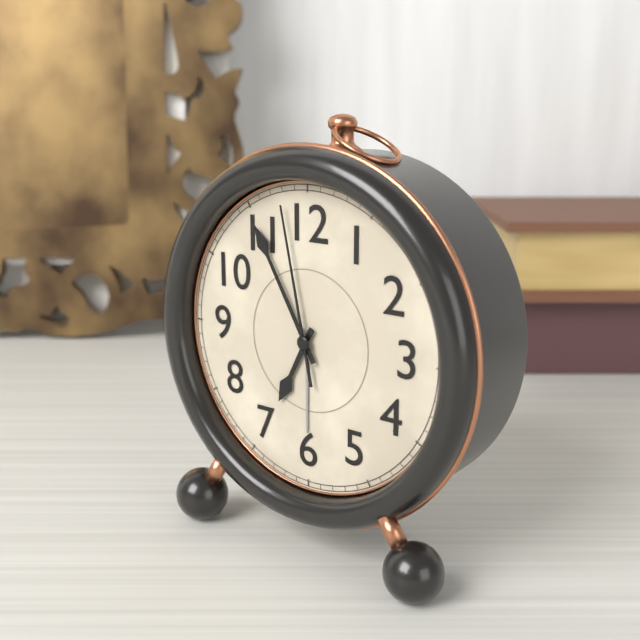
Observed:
6.55.58
